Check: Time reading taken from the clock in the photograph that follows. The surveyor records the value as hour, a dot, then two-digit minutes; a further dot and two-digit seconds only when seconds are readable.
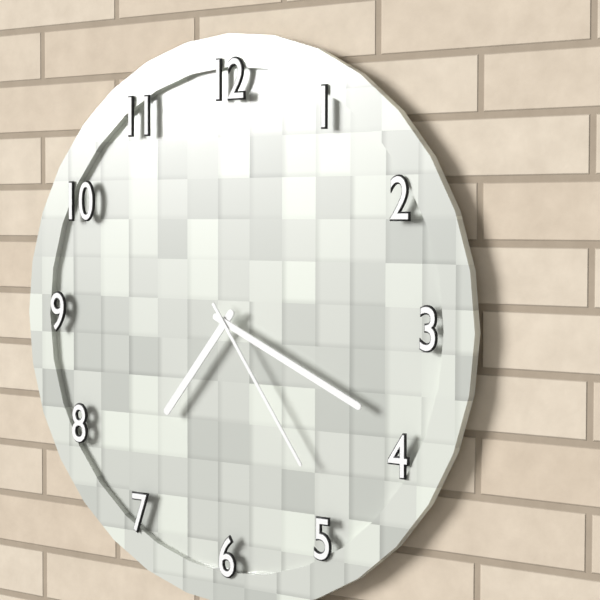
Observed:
7.19.24
